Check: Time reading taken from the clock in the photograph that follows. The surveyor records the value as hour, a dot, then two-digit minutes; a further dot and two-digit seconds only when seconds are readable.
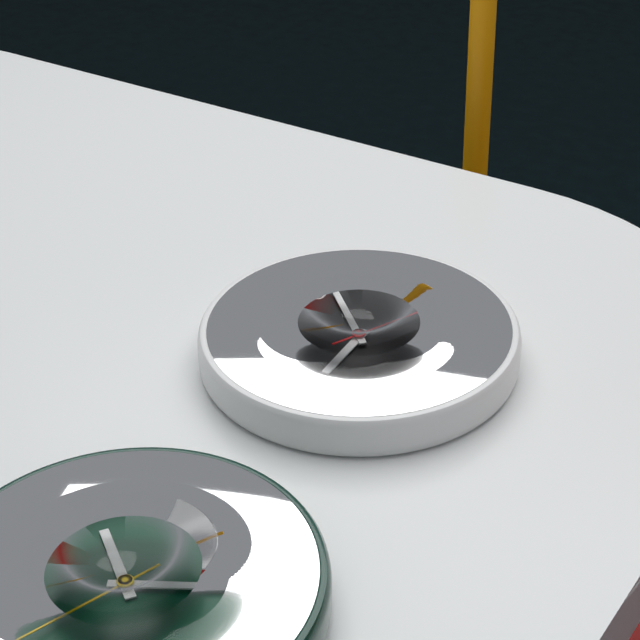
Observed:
5.52.04
